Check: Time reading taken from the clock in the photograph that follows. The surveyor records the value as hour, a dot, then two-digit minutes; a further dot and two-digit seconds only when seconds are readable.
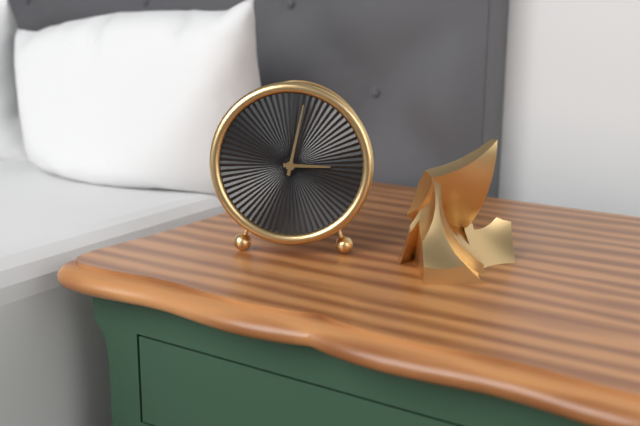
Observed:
3.02
